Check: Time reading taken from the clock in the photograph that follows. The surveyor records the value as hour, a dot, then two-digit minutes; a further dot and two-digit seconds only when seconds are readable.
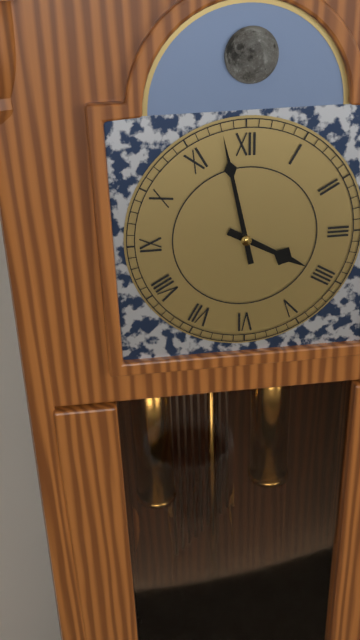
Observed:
3.58
